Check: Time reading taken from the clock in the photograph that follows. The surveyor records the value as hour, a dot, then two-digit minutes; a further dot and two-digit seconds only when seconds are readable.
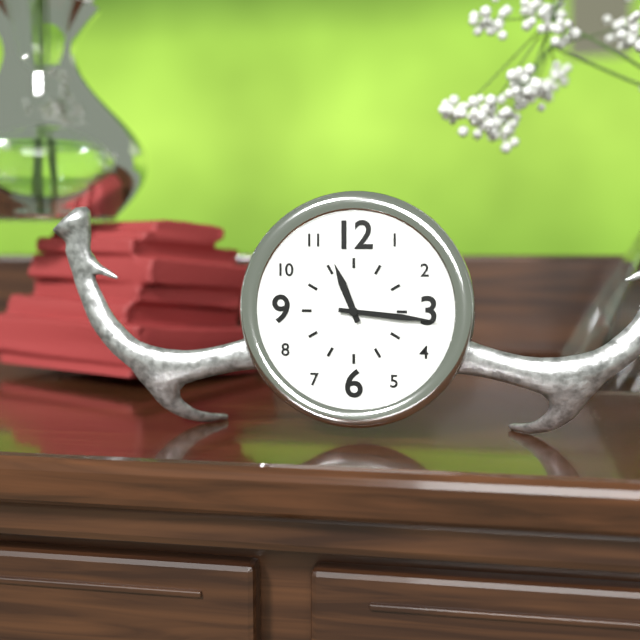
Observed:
11.16
